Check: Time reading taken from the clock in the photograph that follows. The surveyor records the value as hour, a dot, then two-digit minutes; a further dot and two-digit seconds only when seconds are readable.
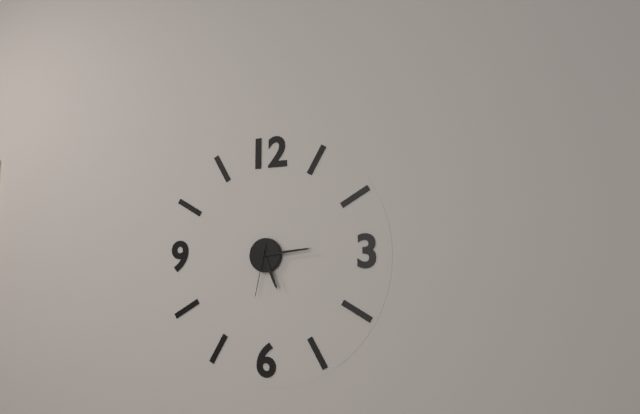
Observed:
5.14.32
